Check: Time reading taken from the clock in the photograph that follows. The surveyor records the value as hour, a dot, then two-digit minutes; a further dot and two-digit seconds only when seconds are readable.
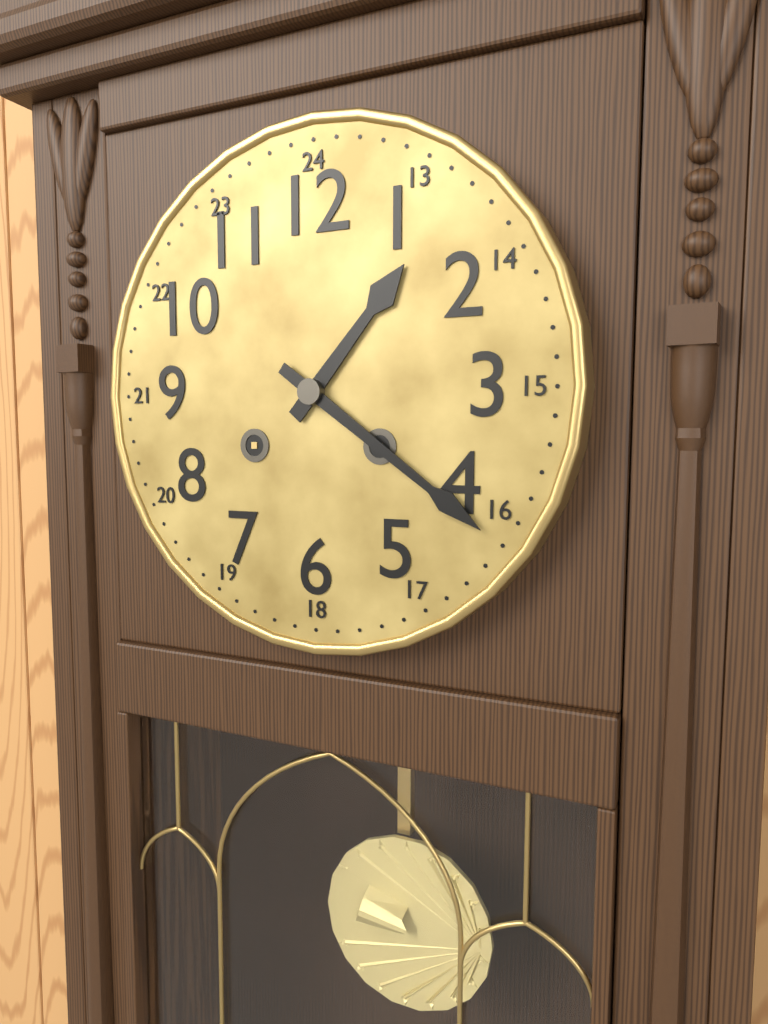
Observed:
1.21
